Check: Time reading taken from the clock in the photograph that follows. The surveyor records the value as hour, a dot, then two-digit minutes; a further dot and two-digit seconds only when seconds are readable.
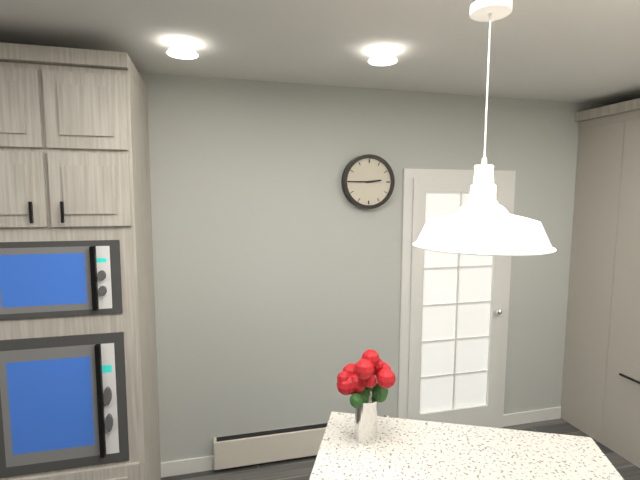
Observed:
2.45
